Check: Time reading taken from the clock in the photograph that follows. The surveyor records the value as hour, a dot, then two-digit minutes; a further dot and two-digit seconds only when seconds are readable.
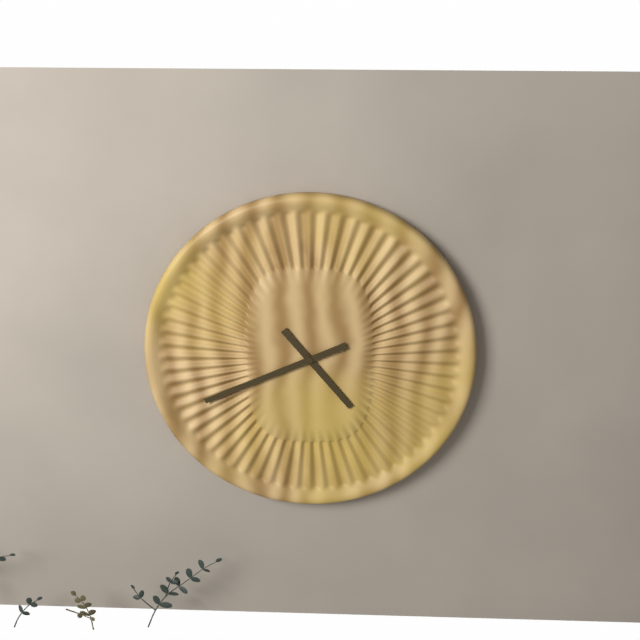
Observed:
4.41
